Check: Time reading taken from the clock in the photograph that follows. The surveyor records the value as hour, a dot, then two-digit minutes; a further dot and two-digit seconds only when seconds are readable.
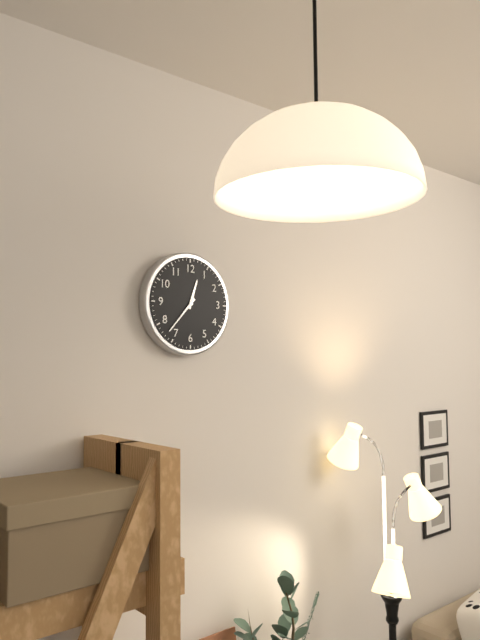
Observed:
12.37
